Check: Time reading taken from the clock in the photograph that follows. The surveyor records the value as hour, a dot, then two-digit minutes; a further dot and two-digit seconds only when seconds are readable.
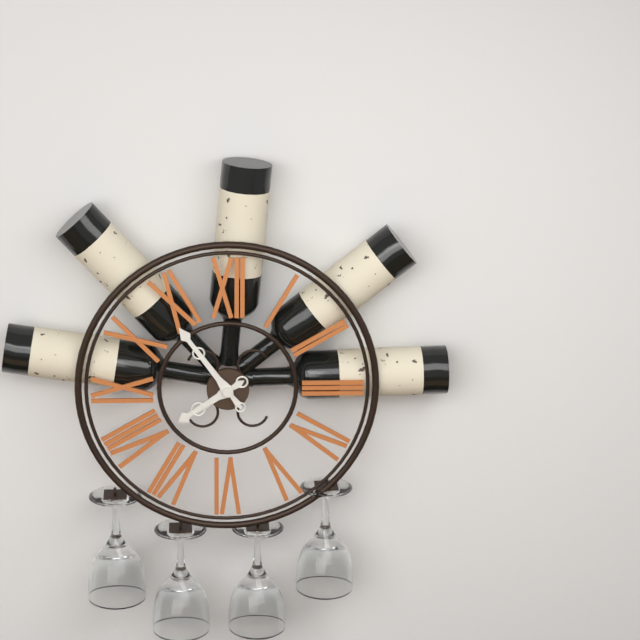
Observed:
7.54
